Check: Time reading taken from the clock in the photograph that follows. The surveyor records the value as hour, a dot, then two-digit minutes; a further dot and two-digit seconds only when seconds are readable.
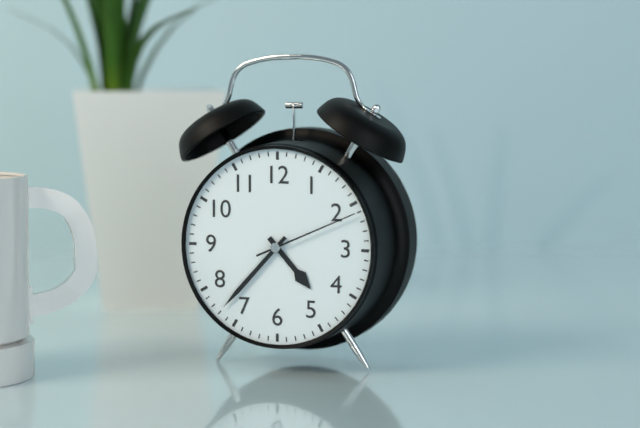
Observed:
4.37.11
